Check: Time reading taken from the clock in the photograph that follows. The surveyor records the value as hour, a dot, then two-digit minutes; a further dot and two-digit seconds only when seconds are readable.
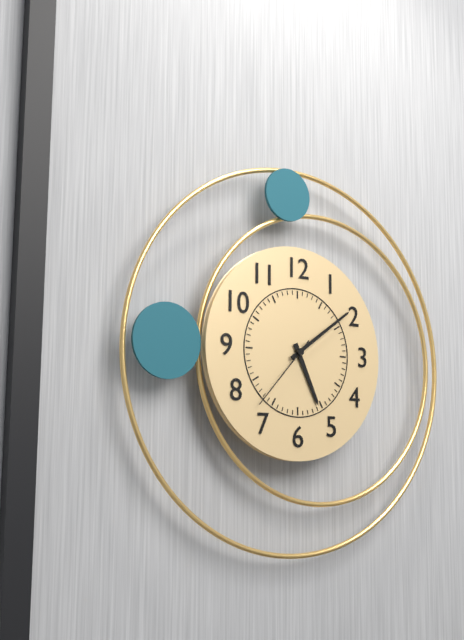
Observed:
5.09.37
